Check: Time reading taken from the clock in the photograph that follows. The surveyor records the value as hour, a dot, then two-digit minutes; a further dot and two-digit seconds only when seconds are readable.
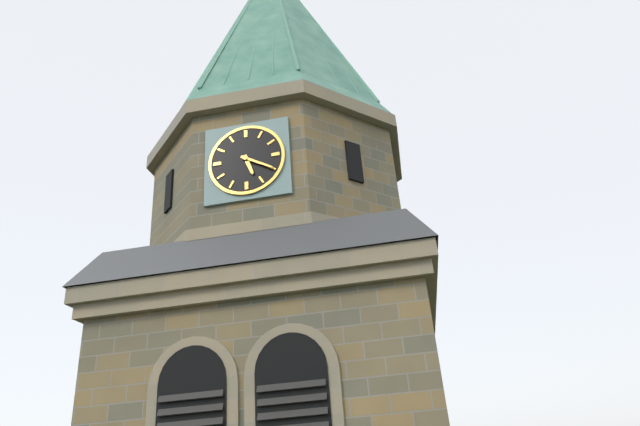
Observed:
5.20
